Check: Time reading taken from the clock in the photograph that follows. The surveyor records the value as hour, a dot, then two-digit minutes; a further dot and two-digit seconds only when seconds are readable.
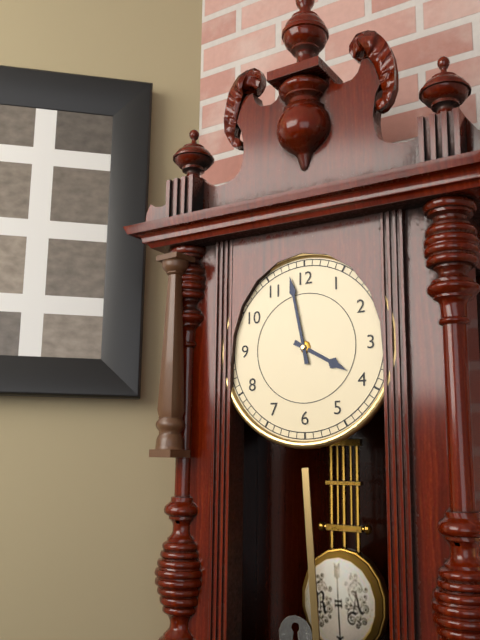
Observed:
3.58
